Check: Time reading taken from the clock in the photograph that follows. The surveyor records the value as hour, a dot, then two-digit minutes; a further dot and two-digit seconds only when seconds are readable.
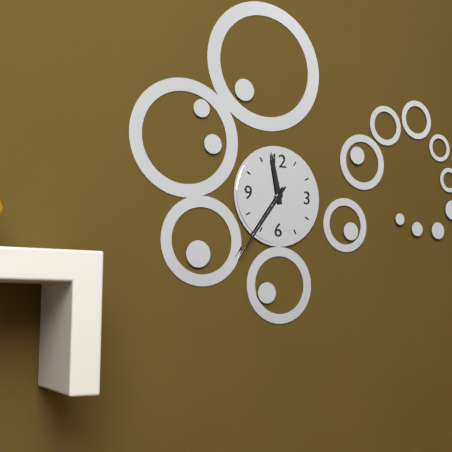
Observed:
11.36
